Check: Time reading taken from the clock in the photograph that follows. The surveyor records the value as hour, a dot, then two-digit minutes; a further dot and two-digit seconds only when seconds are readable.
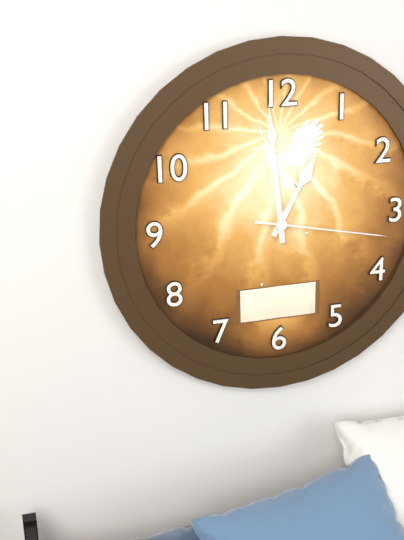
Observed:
12.59.17
